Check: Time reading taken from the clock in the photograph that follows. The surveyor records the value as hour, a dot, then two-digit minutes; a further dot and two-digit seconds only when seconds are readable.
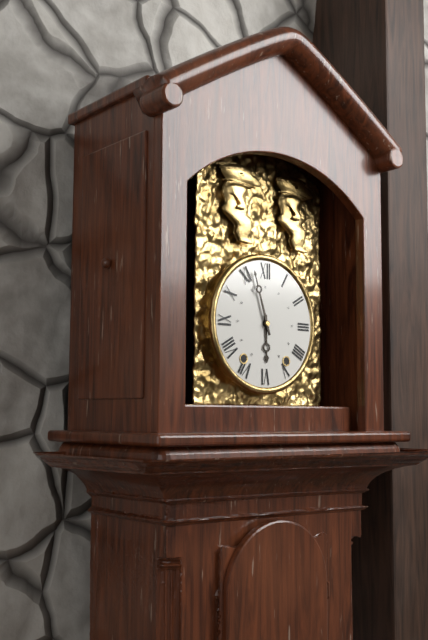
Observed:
5.57
